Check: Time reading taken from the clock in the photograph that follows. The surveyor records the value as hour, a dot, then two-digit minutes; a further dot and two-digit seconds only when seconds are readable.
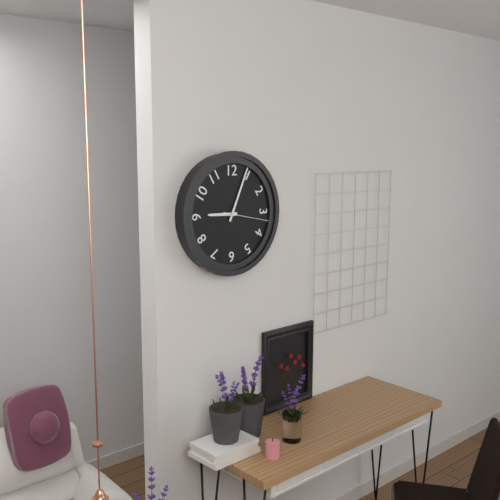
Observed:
9.04
